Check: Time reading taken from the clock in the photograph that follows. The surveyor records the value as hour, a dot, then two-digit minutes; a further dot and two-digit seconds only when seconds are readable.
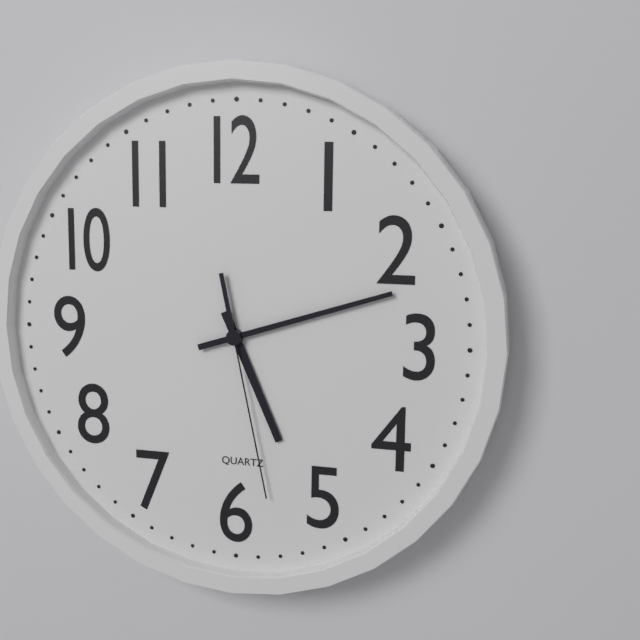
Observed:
5.12.28
